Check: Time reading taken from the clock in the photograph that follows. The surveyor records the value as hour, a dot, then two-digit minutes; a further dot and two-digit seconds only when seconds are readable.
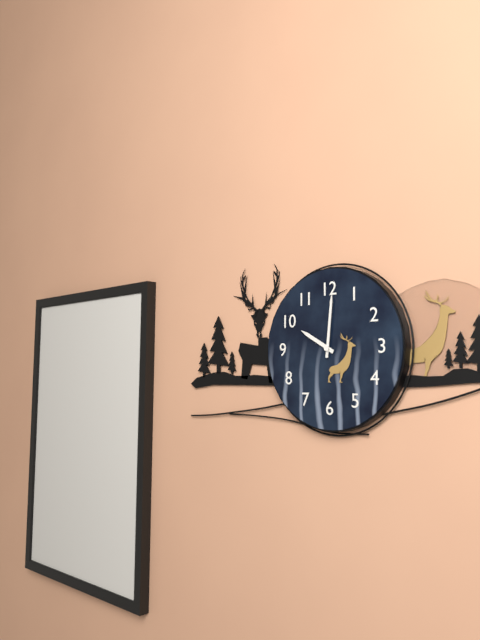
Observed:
10.01
